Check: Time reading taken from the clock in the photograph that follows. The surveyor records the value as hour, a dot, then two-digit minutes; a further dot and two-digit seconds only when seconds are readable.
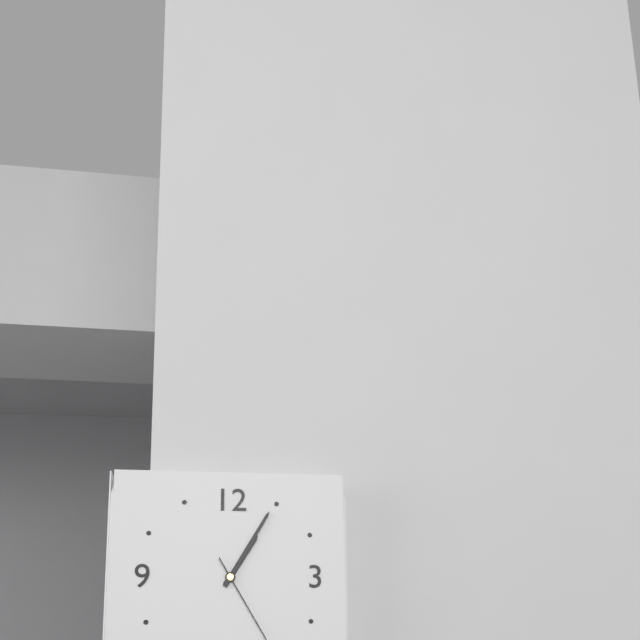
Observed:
1.05
